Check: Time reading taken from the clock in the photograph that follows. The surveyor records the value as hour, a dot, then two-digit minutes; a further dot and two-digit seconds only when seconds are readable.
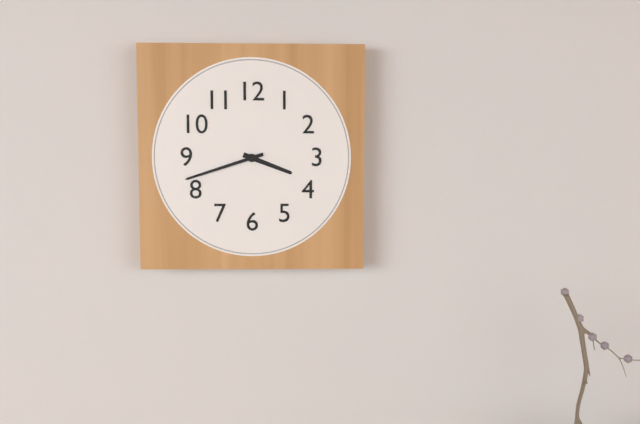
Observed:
3.42
